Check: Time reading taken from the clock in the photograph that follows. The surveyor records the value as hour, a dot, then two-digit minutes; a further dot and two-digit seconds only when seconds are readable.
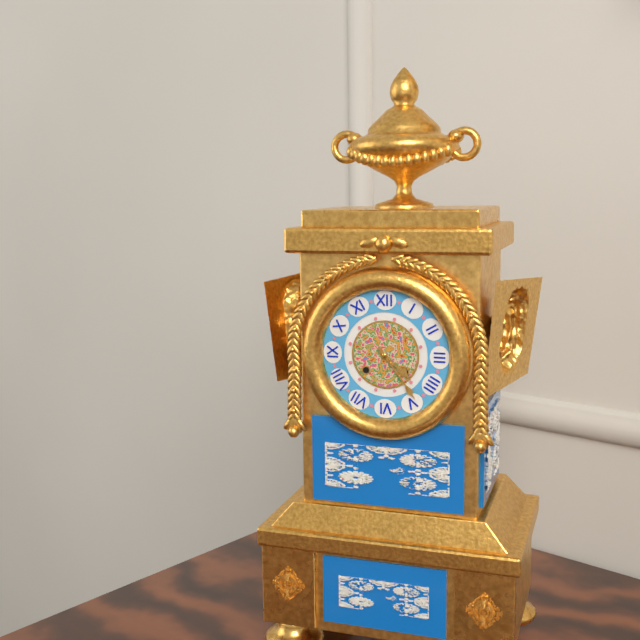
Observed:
4.24
